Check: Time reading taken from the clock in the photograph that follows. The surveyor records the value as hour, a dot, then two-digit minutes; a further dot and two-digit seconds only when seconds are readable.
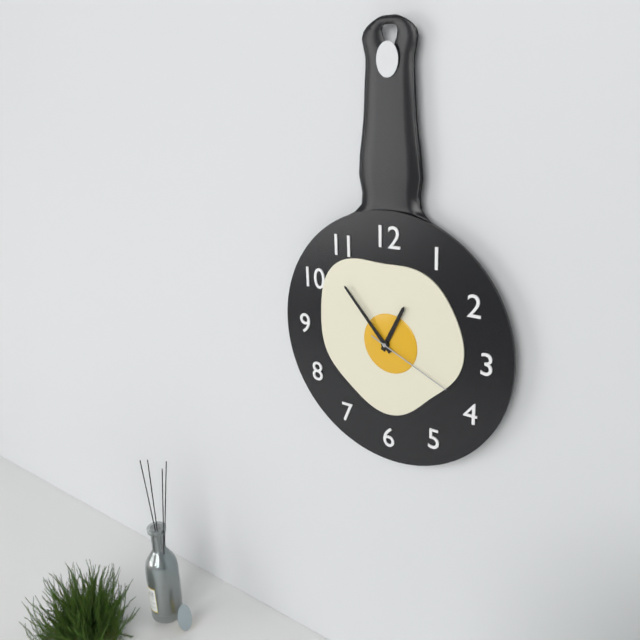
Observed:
12.53.19
